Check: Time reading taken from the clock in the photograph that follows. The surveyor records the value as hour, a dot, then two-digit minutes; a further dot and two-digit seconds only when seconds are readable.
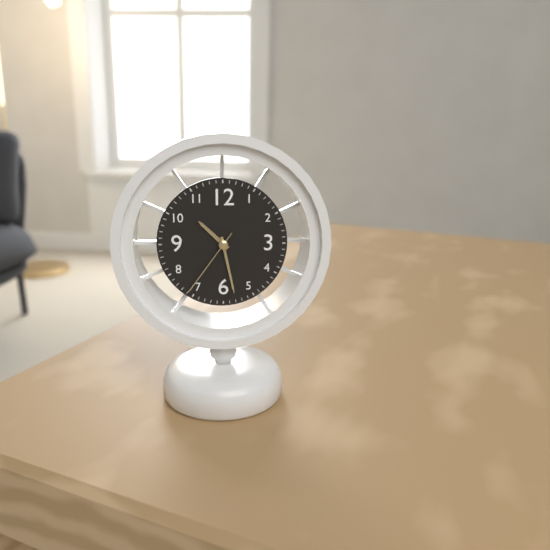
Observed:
10.28.36
